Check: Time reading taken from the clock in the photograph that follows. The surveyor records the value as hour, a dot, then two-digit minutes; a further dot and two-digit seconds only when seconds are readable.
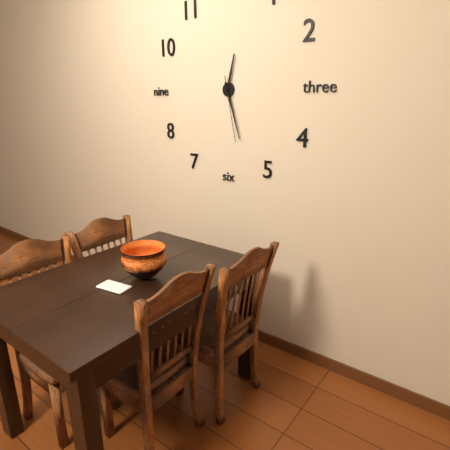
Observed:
12.27.28
